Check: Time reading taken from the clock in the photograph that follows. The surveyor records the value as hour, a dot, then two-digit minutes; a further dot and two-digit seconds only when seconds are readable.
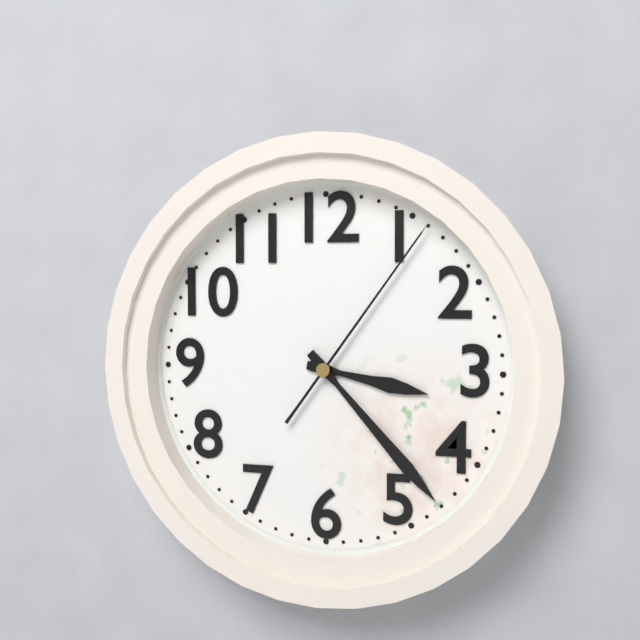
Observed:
3.23.06
